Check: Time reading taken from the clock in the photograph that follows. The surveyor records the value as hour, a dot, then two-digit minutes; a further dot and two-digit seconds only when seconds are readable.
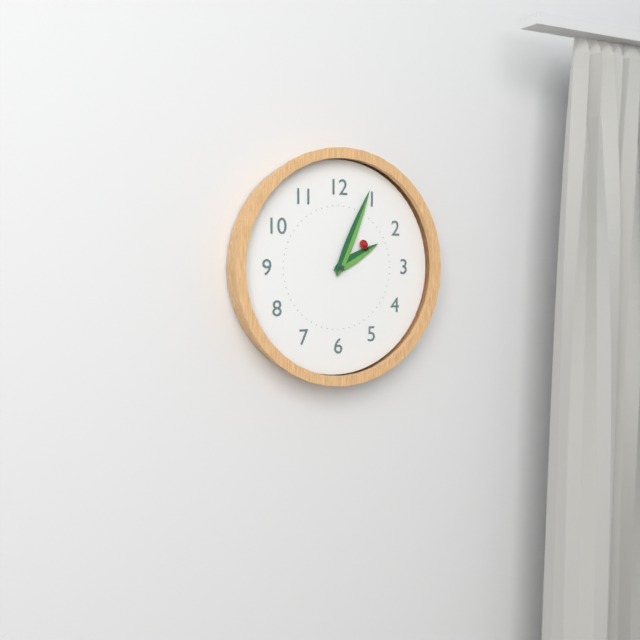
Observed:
2.04.08
